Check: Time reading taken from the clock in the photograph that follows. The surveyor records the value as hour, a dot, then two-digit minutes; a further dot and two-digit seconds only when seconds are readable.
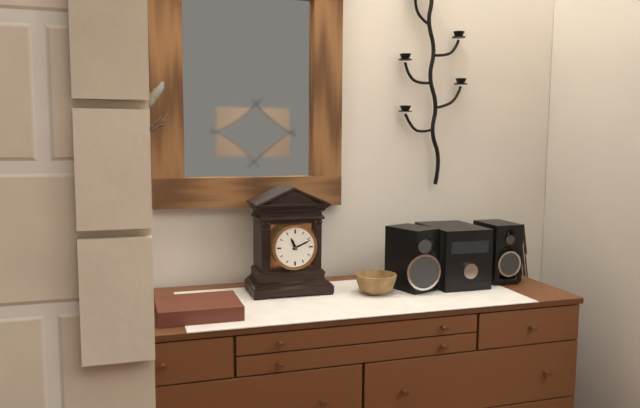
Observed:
11.11
